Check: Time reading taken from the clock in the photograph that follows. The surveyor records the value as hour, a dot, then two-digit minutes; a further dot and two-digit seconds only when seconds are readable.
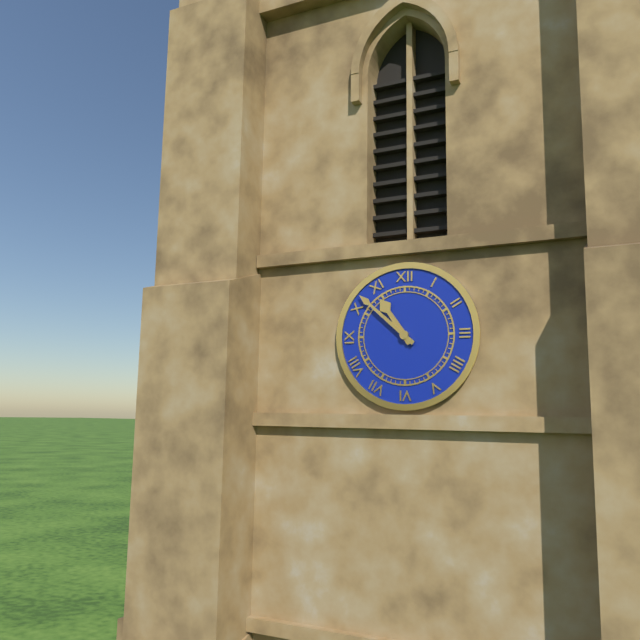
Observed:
10.52
